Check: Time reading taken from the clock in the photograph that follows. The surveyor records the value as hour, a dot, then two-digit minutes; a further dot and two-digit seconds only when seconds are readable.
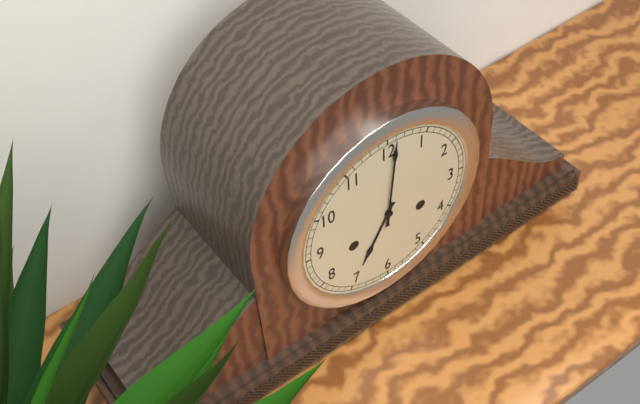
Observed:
7.01
